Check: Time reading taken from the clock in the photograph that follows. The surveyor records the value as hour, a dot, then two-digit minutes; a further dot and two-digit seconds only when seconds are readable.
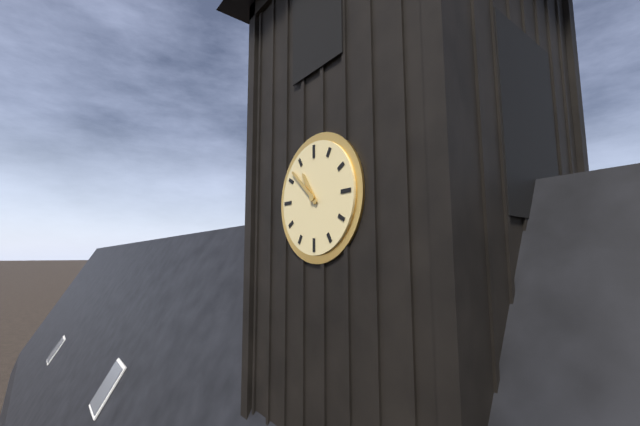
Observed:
10.52
